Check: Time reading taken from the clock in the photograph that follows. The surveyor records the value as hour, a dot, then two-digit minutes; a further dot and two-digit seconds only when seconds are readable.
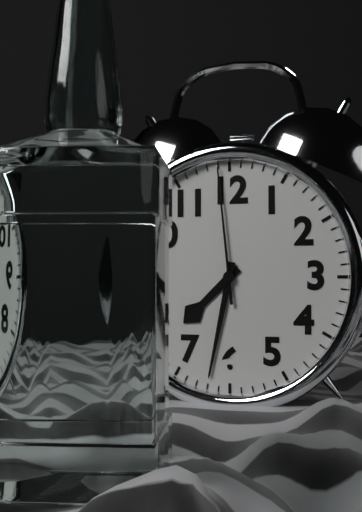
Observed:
7.32.59
